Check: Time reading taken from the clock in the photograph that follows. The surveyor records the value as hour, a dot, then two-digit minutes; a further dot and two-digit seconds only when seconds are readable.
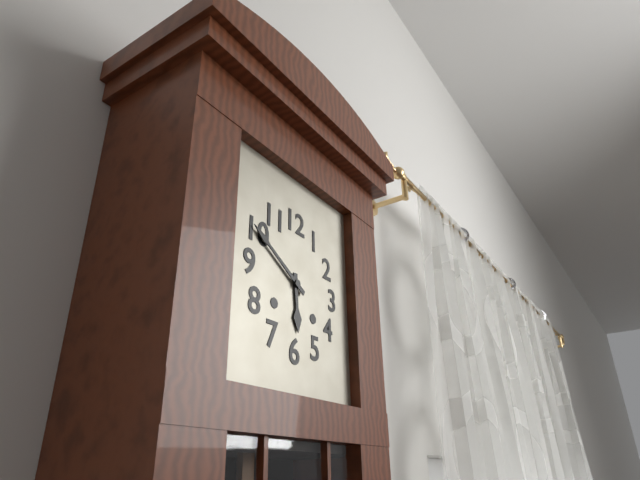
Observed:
5.50
